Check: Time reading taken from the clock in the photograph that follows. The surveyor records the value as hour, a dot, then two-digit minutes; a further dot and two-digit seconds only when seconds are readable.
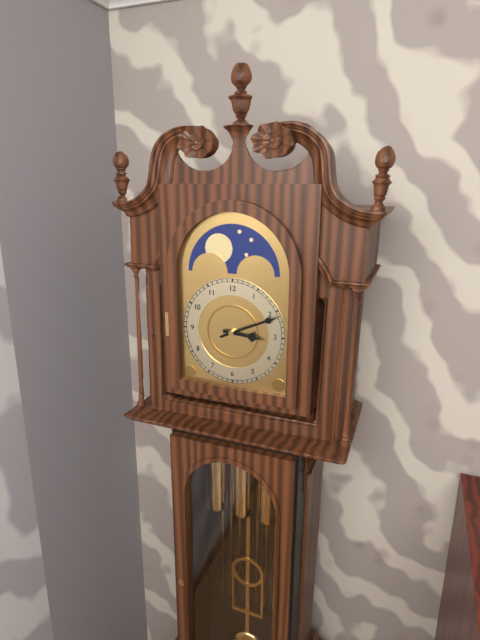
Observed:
3.11
